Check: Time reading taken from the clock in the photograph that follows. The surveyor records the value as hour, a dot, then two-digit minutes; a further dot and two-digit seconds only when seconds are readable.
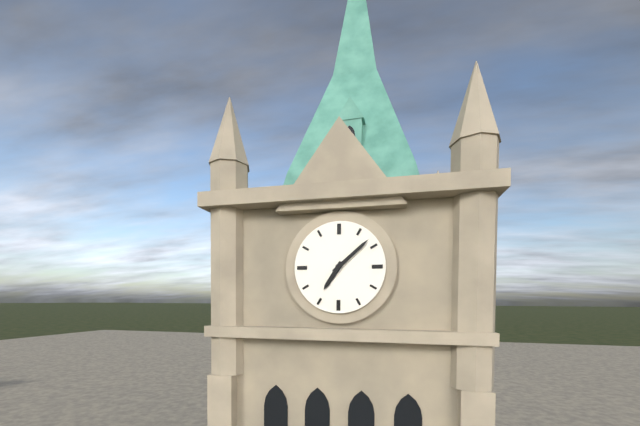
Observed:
7.08
